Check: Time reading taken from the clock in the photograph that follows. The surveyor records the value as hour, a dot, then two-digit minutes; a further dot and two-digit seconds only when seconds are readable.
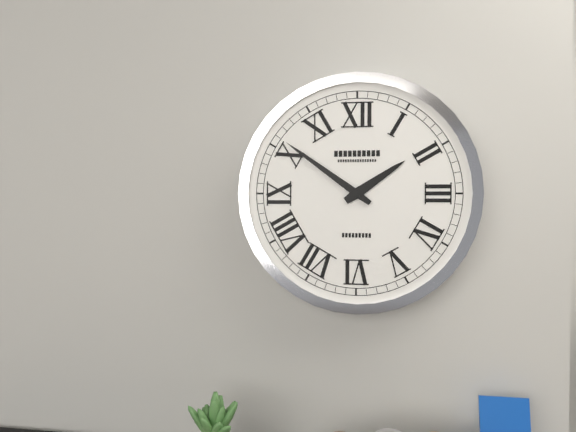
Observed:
1.51
